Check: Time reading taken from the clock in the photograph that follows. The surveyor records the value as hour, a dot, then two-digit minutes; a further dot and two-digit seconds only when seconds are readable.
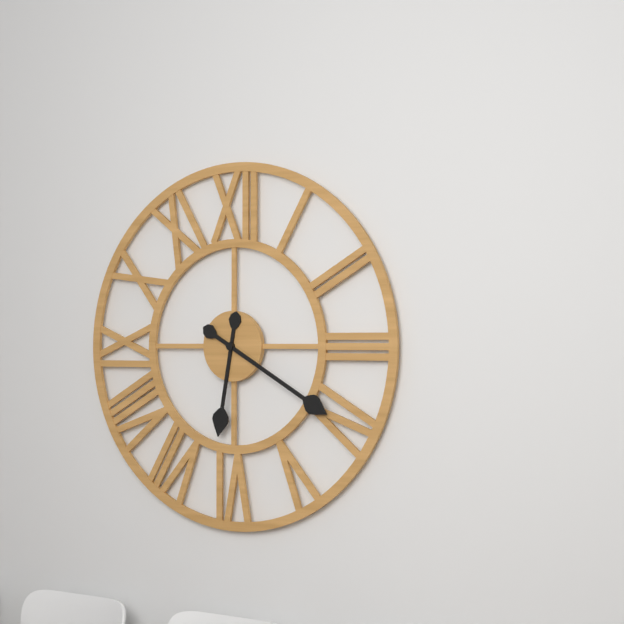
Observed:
6.20
